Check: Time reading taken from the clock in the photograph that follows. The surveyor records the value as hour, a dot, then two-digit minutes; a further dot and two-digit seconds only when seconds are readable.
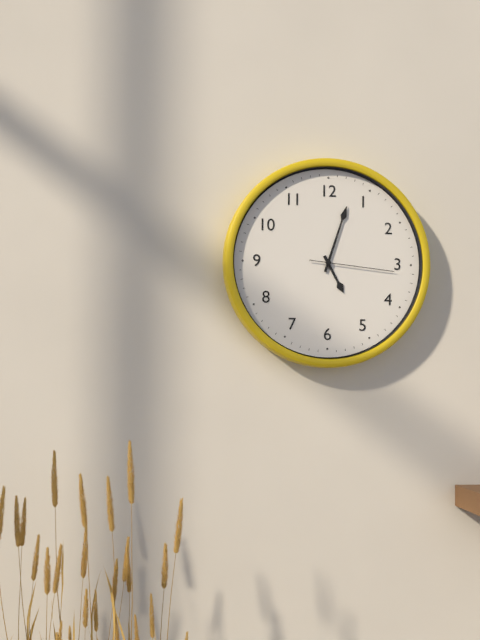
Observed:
5.03.16
